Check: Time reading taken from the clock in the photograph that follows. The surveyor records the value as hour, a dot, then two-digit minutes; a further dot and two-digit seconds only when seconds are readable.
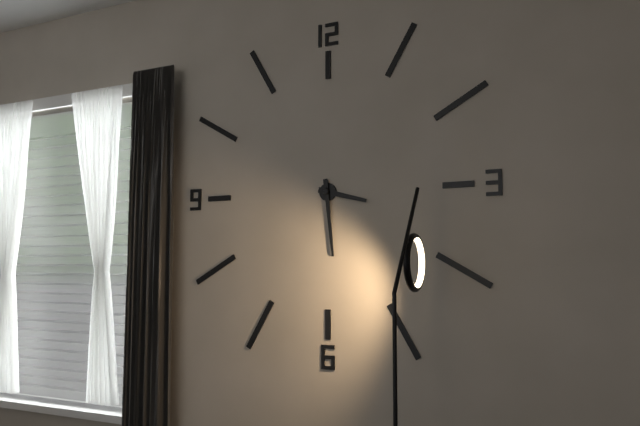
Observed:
3.29
